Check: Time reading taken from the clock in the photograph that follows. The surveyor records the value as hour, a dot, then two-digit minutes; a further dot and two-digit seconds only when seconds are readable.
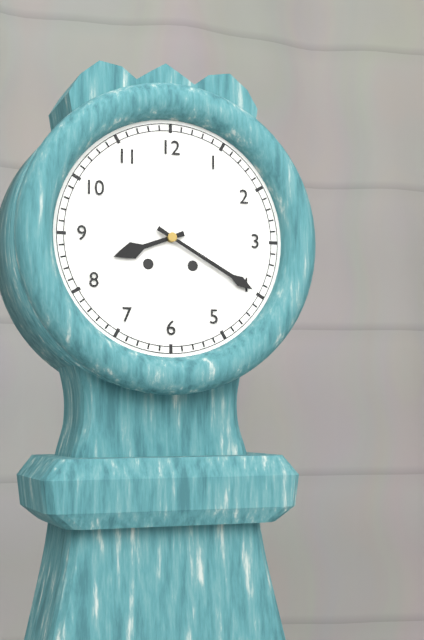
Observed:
8.20
